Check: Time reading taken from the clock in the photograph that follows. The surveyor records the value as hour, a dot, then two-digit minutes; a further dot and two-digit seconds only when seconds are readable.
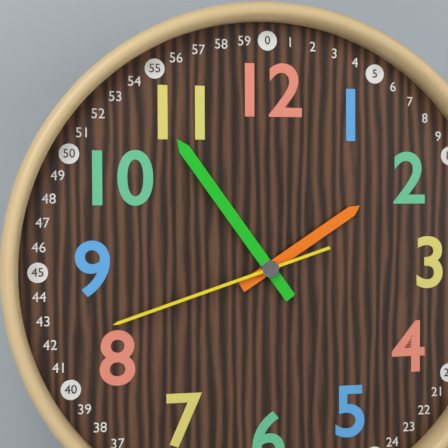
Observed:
1.54.42
